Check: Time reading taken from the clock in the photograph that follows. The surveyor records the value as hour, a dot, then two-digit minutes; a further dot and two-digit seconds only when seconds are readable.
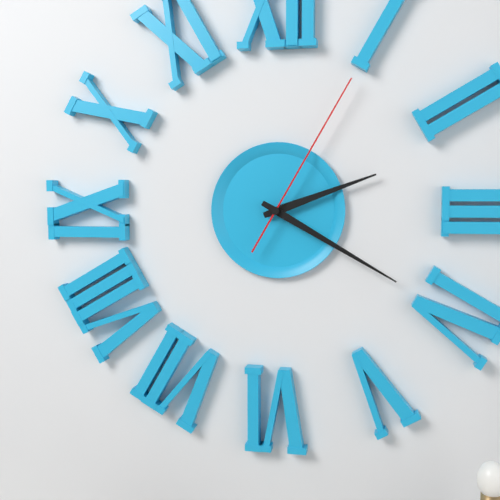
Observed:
2.20.05
